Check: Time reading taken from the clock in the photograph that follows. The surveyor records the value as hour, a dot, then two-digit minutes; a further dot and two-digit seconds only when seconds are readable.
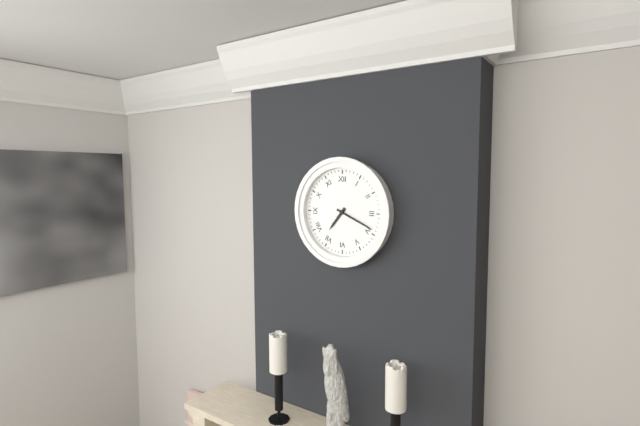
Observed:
7.19
